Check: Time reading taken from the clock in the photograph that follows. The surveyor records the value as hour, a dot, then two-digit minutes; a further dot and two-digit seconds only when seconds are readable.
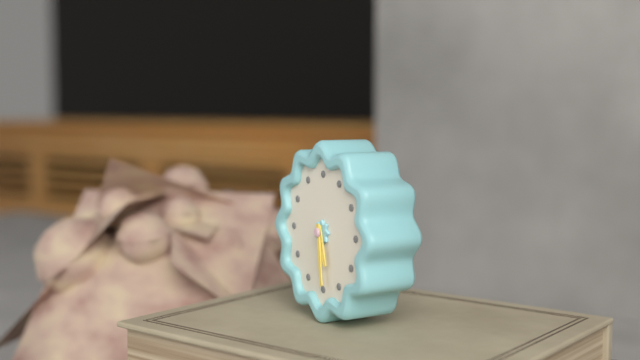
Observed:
5.29
